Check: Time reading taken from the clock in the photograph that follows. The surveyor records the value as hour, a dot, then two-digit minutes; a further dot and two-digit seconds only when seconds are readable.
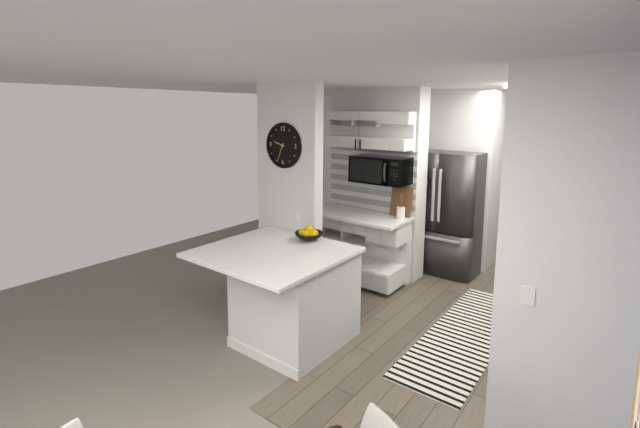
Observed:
9.34
